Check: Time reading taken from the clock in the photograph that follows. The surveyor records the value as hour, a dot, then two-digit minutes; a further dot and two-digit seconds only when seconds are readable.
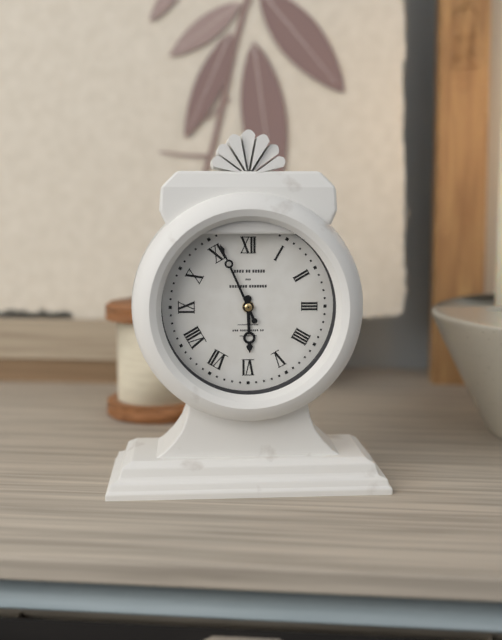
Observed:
5.56
